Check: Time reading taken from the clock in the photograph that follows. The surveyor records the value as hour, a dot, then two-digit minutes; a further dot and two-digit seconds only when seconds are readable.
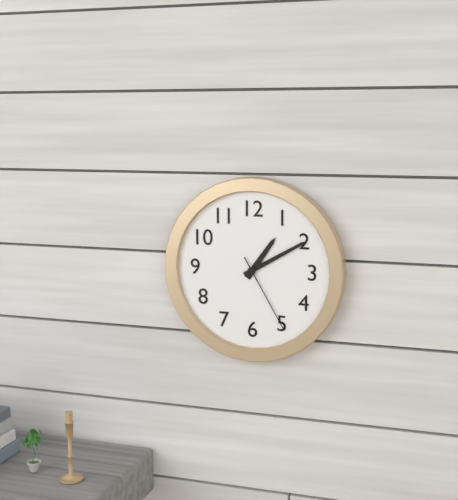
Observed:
1.10.25
